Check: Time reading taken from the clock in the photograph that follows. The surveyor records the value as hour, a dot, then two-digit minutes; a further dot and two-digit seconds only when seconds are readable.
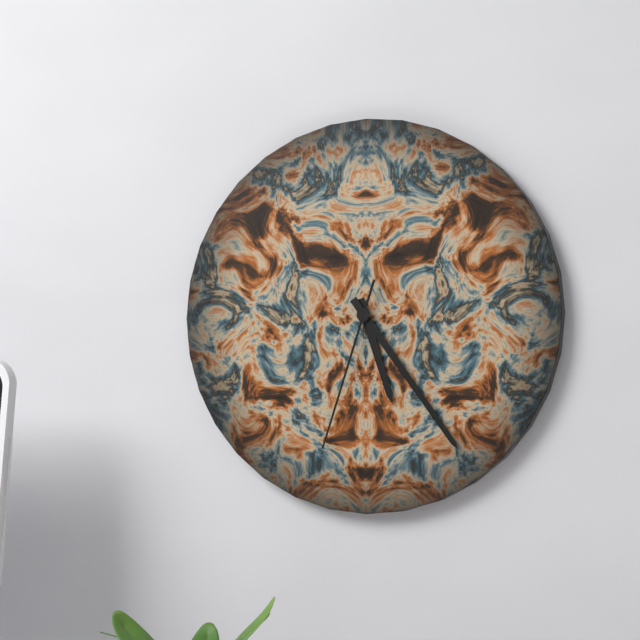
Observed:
5.24.33
